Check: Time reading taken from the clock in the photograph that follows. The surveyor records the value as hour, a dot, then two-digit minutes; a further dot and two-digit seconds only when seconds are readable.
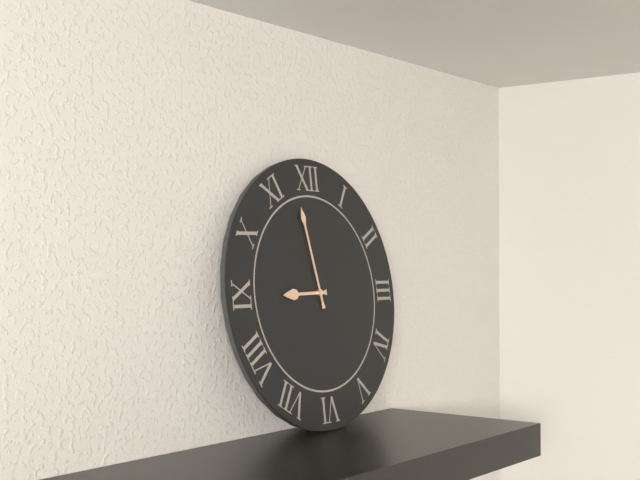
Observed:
8.58
